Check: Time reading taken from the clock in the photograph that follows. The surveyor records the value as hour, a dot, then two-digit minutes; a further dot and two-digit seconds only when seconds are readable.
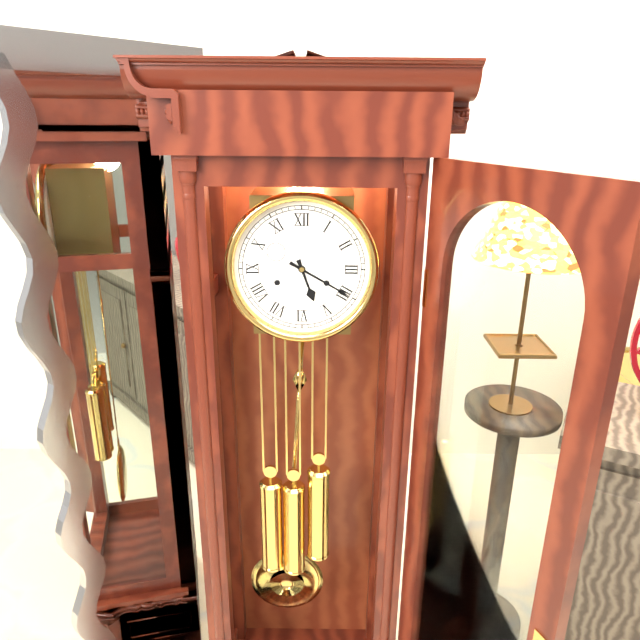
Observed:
5.20
